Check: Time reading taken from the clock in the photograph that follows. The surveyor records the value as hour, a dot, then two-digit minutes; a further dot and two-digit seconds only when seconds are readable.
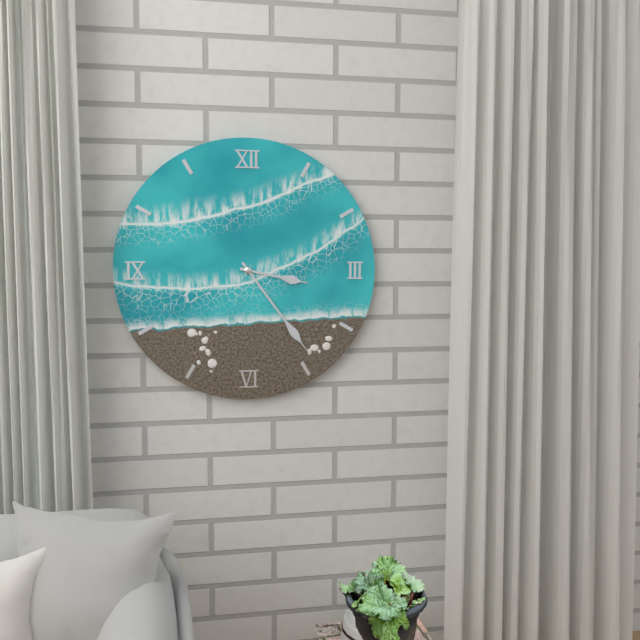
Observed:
3.24
